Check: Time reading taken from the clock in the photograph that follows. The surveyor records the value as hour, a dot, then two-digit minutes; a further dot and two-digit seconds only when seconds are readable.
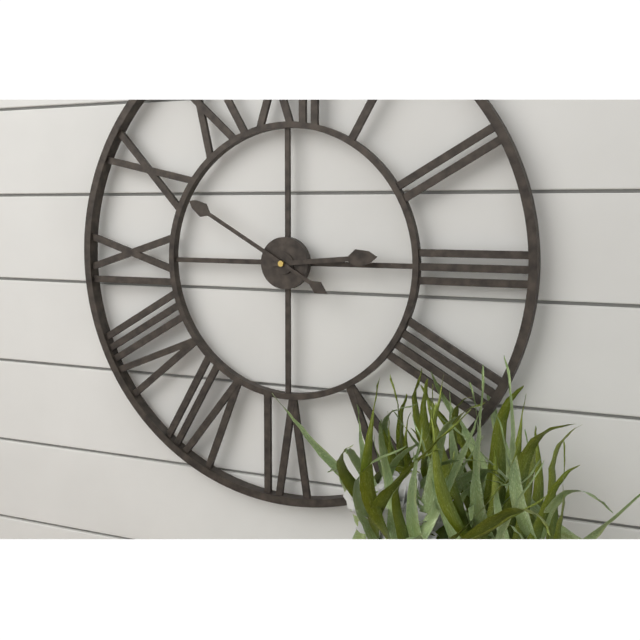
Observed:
2.50
